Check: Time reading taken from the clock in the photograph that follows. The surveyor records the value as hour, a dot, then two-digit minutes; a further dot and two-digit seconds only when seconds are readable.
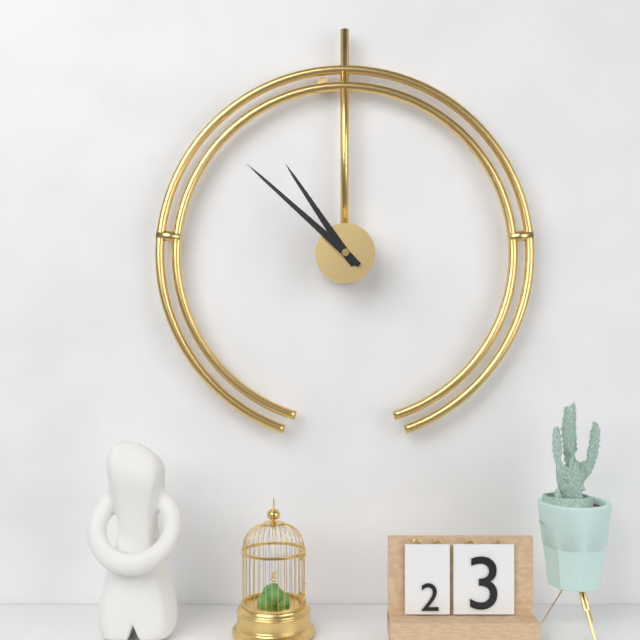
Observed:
10.52
